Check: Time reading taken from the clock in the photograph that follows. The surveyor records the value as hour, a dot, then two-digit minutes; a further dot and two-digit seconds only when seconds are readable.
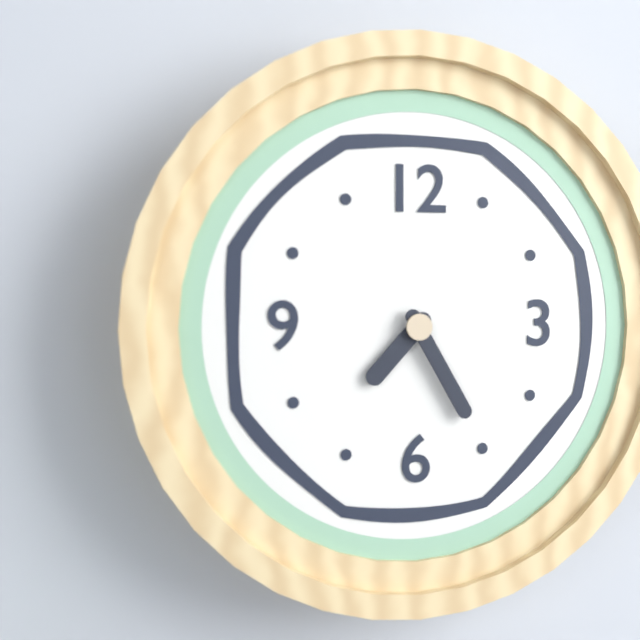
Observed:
7.25
